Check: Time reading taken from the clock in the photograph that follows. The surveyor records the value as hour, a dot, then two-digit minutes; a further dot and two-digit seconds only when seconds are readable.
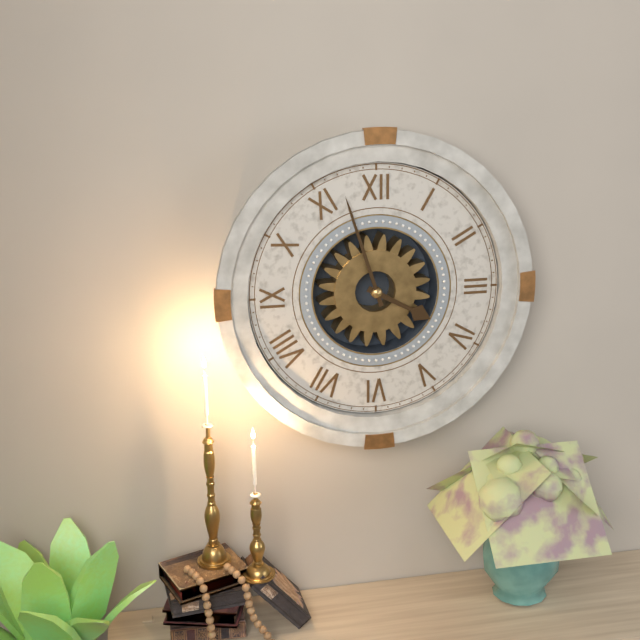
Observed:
3.57
